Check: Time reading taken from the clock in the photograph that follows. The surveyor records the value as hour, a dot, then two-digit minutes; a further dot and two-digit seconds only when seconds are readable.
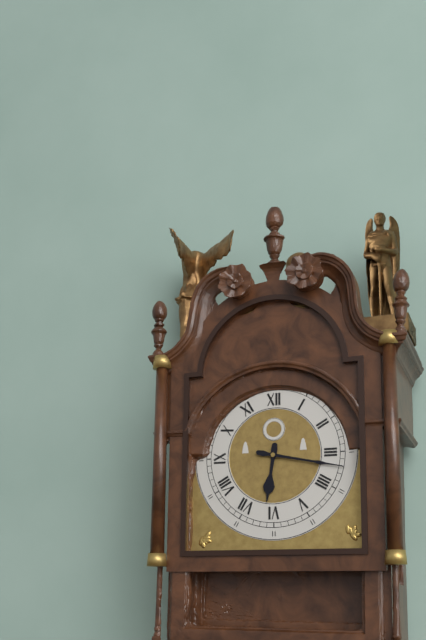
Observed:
6.17
